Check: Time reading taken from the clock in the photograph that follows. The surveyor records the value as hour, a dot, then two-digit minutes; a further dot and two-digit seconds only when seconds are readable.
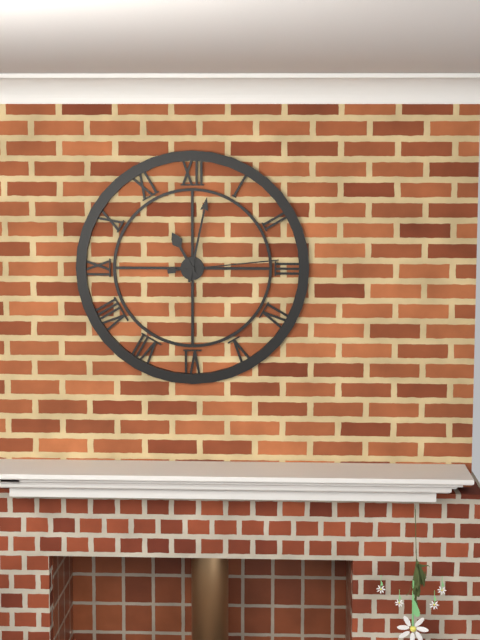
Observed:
11.02.14
